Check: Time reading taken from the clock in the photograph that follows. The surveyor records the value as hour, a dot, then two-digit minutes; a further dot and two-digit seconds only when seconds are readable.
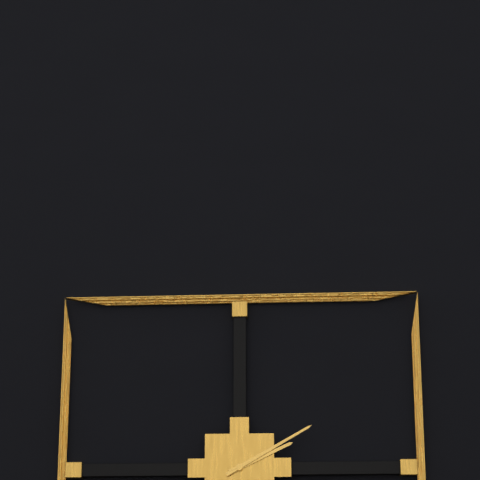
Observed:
2.10
